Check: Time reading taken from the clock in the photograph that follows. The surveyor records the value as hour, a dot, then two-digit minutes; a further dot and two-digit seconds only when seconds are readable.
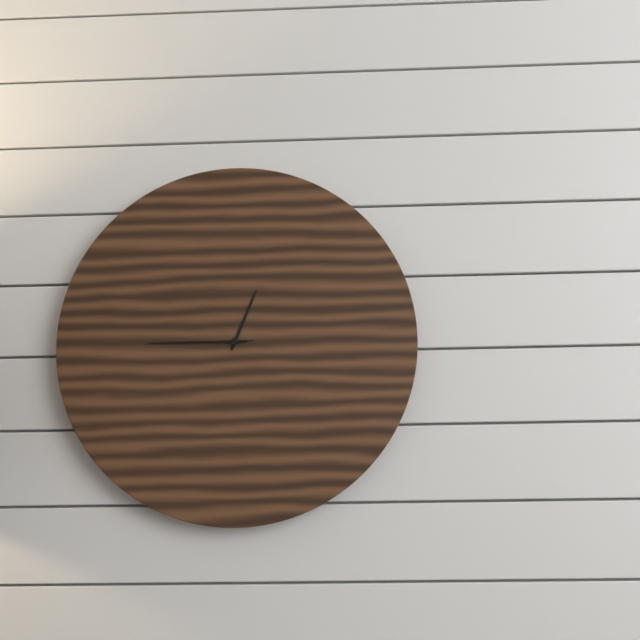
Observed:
12.45.45
